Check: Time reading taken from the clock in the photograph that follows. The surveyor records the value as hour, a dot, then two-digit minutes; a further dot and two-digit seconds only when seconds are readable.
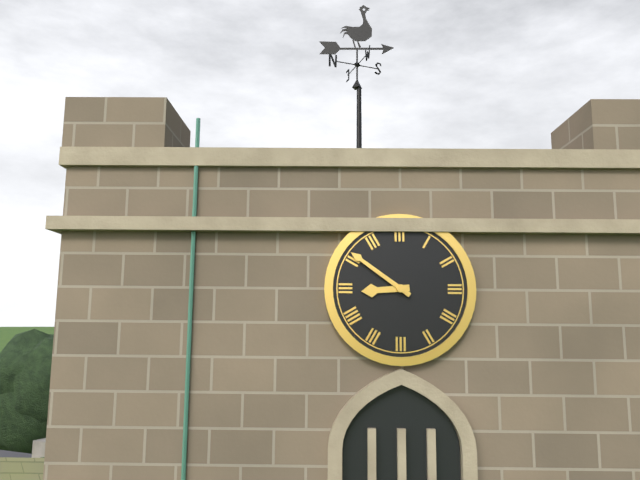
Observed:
8.51
